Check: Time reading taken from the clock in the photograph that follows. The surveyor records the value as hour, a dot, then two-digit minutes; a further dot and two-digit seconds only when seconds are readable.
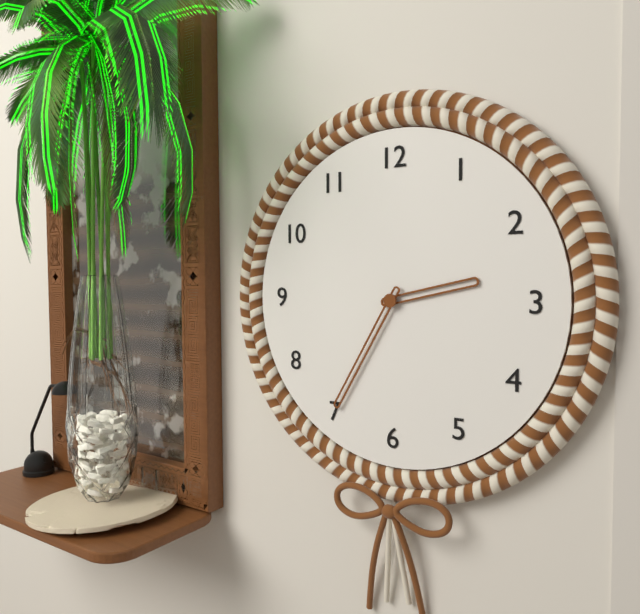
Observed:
2.35
